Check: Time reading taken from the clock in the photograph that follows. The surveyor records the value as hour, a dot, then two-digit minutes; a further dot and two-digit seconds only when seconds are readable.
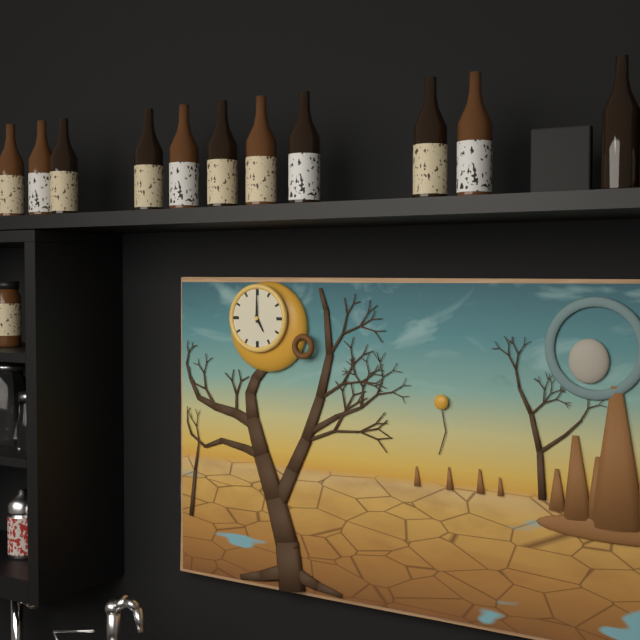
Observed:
5.00
